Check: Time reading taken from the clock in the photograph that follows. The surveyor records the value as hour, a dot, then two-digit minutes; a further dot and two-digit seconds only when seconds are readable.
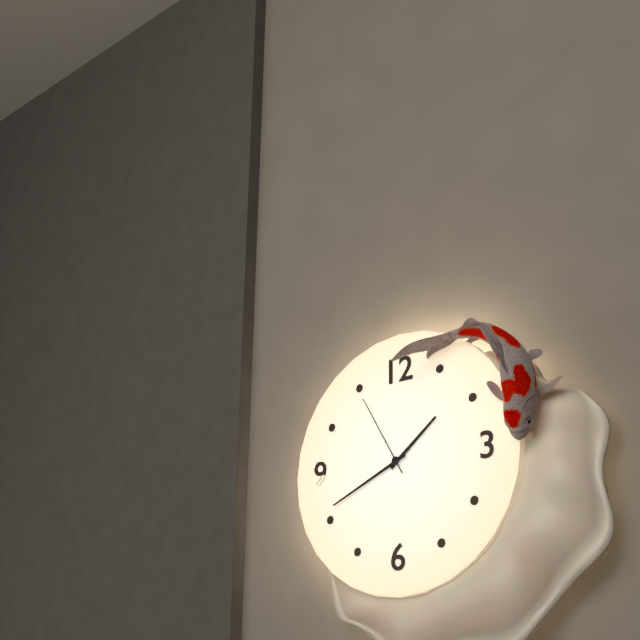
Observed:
1.41.55
